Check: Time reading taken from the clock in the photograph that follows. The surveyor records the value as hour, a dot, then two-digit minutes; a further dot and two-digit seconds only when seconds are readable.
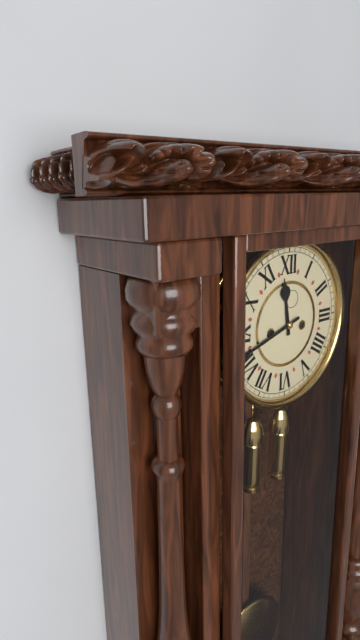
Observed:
11.42
